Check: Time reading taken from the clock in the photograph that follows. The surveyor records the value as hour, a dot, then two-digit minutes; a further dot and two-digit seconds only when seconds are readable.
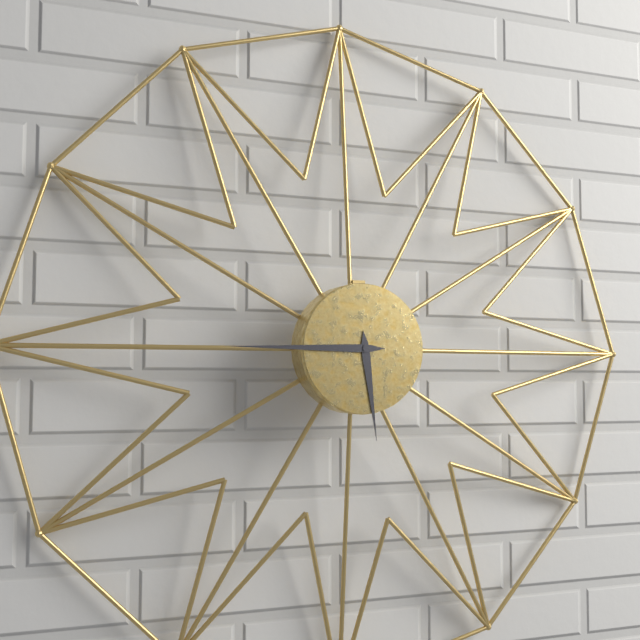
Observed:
5.45
